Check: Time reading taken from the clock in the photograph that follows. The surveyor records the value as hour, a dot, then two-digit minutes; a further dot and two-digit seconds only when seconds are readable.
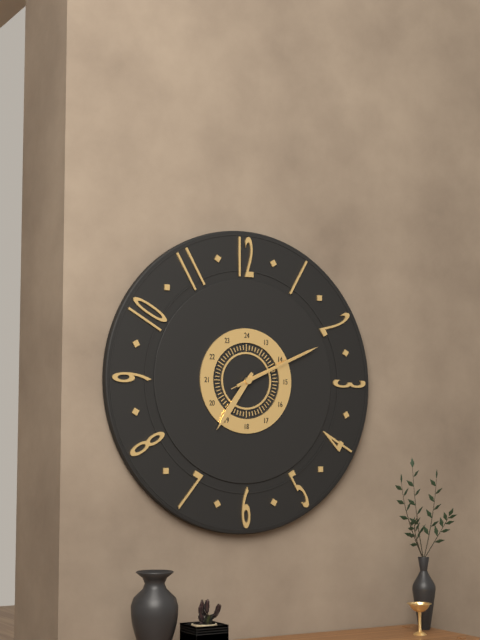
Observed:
7.11.11
